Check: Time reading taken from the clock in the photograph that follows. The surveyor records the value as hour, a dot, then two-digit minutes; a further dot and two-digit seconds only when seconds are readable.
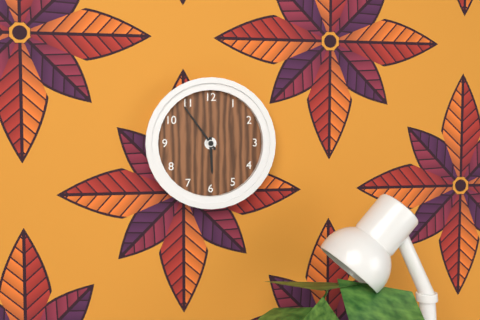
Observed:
5.54
